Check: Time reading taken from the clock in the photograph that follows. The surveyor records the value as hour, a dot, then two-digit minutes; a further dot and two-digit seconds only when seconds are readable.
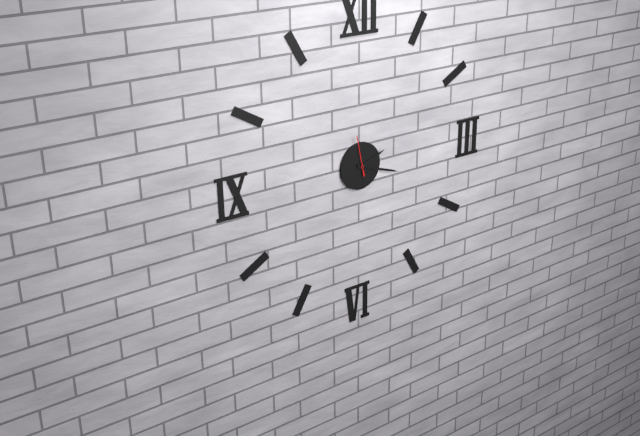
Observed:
2.18
